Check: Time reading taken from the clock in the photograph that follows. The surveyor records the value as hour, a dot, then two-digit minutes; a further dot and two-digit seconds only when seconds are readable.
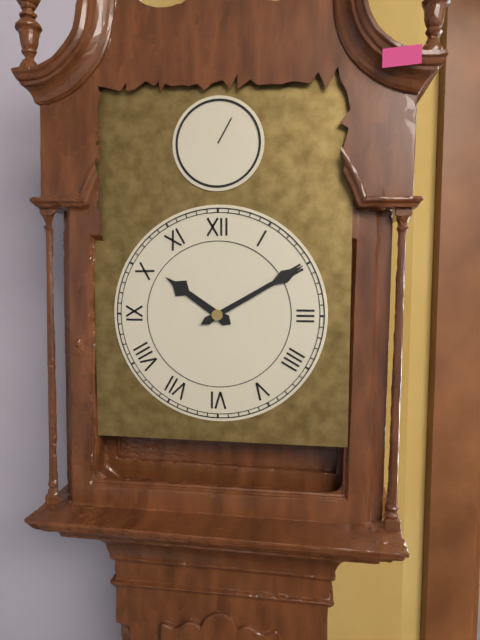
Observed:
10.10
